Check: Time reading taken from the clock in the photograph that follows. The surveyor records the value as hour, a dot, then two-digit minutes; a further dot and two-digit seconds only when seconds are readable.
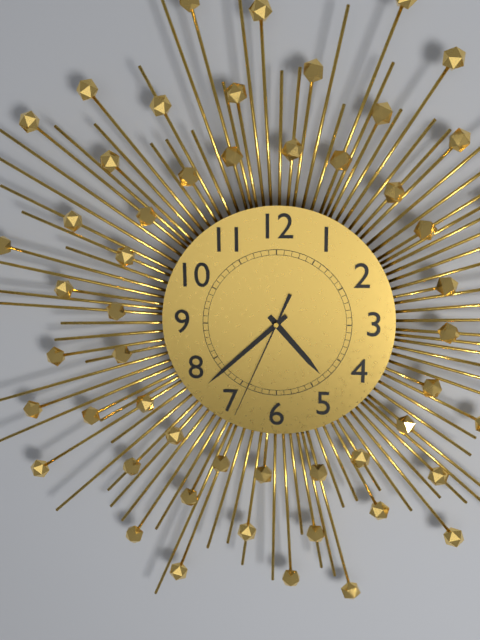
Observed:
4.38.34
